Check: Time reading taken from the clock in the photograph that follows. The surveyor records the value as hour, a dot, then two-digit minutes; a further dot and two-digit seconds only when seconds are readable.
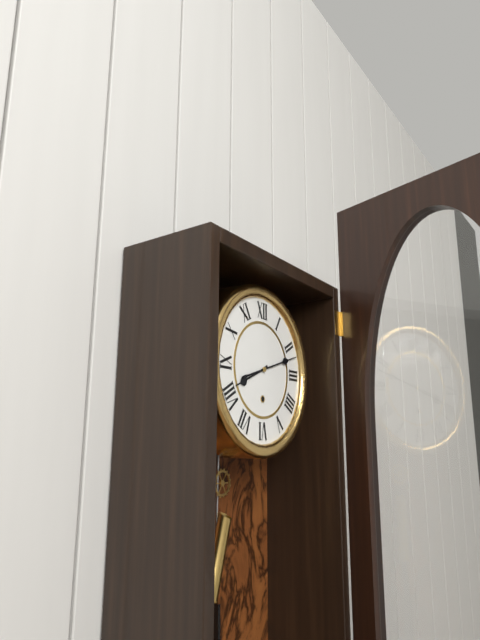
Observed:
8.12
